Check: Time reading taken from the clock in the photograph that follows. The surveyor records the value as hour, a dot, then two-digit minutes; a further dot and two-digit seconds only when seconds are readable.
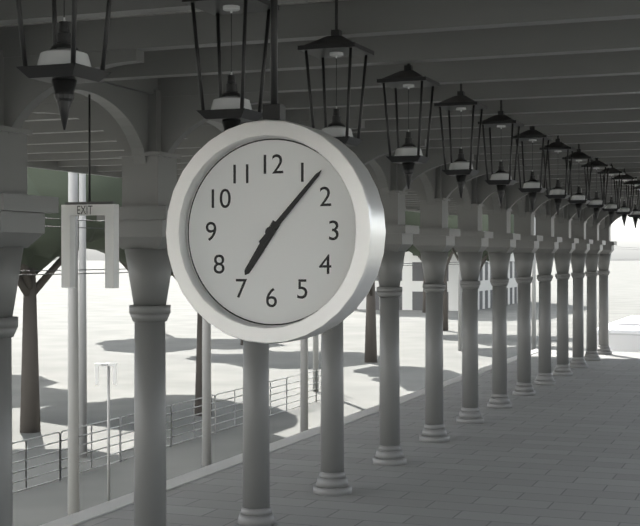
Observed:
7.07
